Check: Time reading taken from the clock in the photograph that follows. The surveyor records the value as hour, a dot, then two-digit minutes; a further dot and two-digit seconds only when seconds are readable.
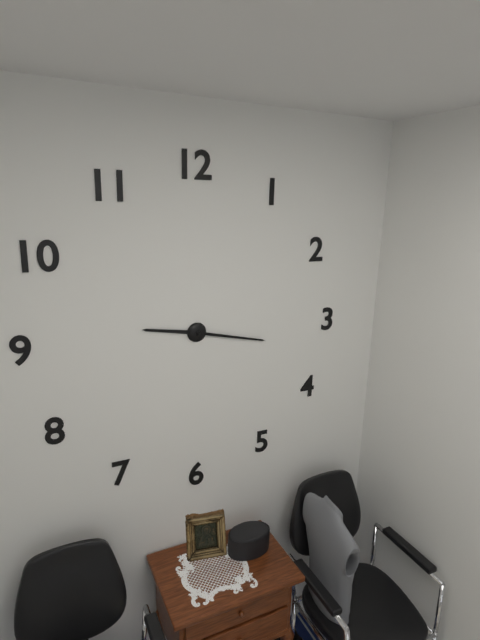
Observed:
9.17
